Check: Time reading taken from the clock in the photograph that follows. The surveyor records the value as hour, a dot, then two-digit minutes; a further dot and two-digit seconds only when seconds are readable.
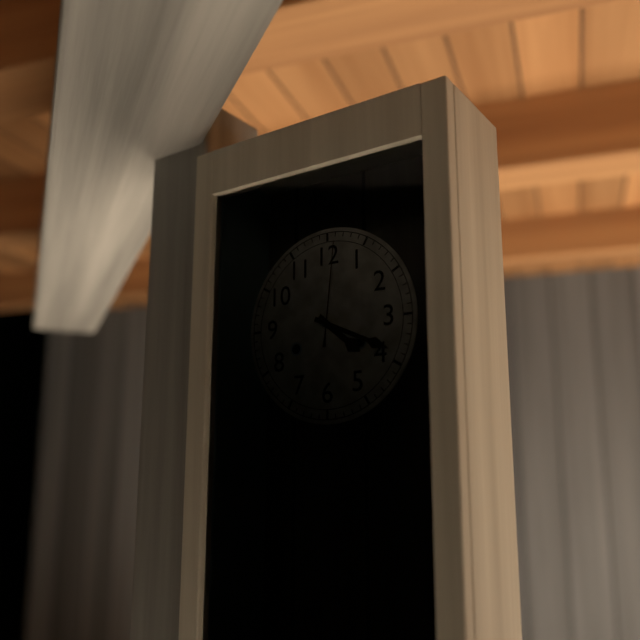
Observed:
4.19.01
